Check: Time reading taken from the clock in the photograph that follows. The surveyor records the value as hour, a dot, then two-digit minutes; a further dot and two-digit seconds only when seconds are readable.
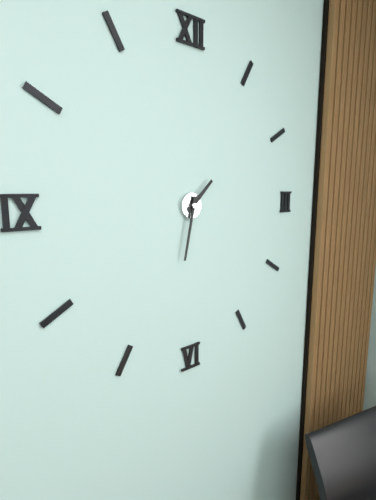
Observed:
1.32
